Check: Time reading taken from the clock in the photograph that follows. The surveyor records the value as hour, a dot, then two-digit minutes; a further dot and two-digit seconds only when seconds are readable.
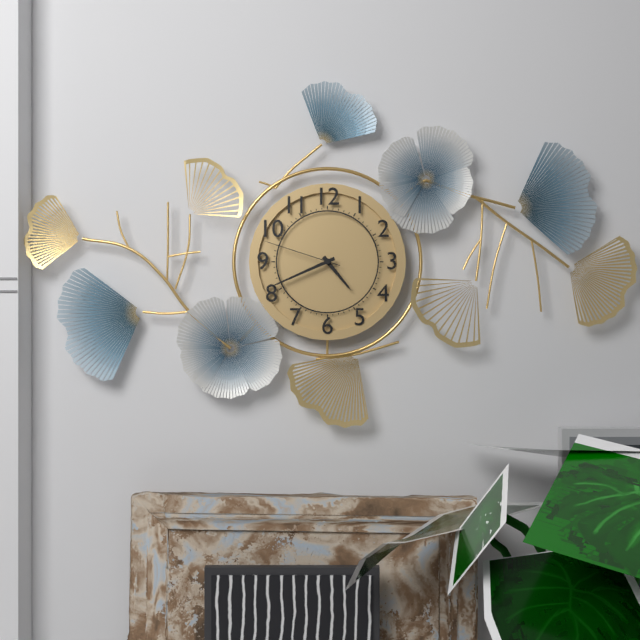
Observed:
4.41.48
